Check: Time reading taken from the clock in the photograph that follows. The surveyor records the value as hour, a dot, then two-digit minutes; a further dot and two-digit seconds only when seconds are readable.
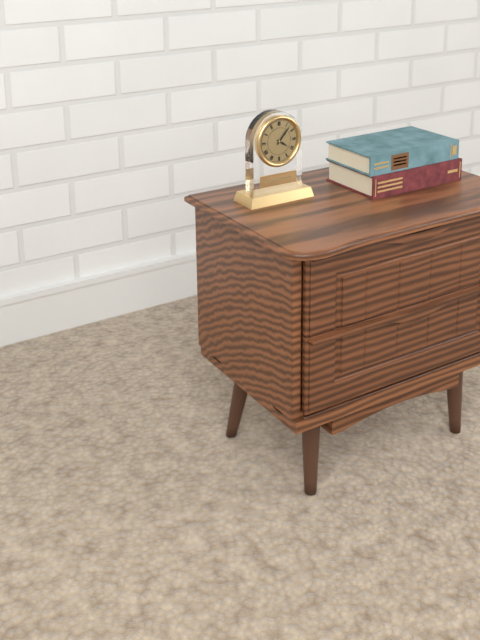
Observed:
4.07
